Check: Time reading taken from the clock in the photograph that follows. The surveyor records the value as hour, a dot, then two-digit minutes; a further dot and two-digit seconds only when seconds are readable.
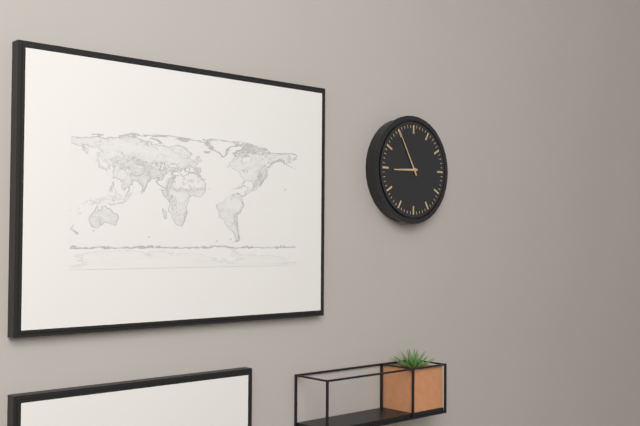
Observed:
8.55
